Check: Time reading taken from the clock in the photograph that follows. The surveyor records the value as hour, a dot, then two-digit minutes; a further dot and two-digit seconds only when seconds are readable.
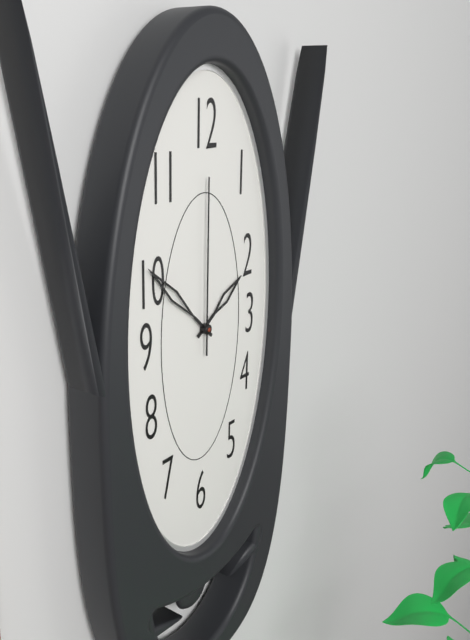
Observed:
1.52.00
